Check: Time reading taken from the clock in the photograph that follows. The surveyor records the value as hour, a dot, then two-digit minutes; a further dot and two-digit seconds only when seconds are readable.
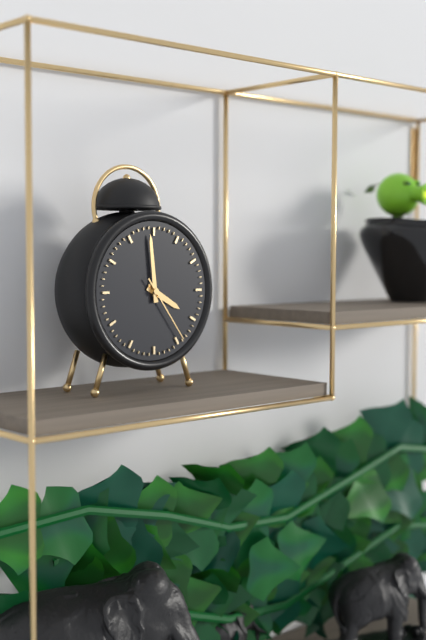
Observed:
3.59.24
